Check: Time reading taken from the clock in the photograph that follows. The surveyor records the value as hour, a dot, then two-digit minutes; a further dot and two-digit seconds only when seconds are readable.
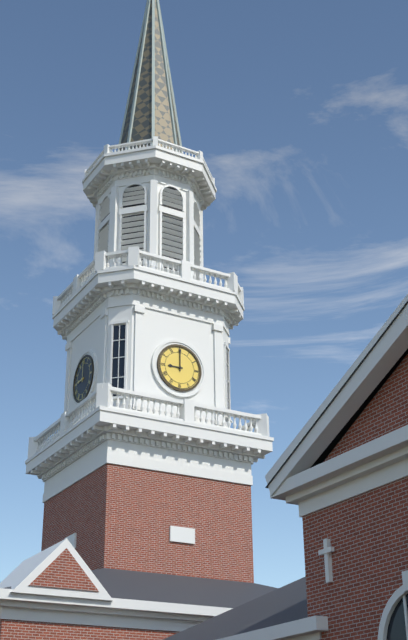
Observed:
9.00
